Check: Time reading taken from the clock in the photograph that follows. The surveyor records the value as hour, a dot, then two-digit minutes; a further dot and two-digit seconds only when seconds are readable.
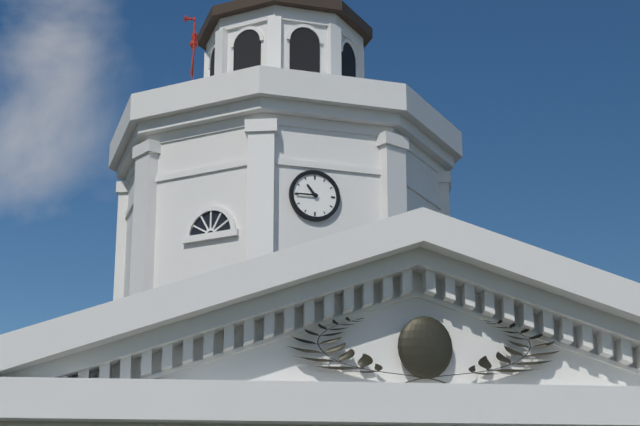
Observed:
10.45
